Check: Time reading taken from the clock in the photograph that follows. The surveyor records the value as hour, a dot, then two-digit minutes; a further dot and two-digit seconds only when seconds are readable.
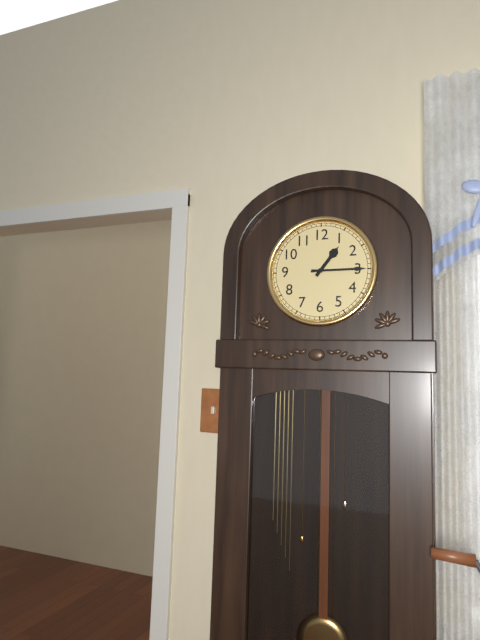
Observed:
1.15
